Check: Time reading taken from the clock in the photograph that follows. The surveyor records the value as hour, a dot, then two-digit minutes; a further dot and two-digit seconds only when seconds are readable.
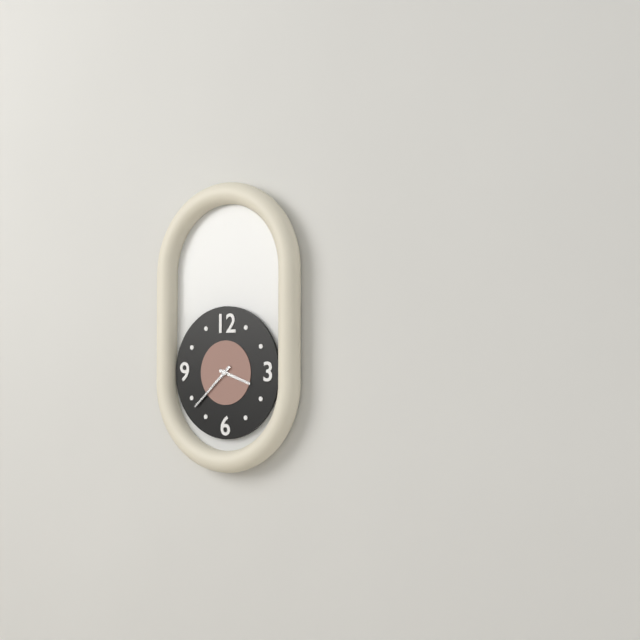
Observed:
3.38
